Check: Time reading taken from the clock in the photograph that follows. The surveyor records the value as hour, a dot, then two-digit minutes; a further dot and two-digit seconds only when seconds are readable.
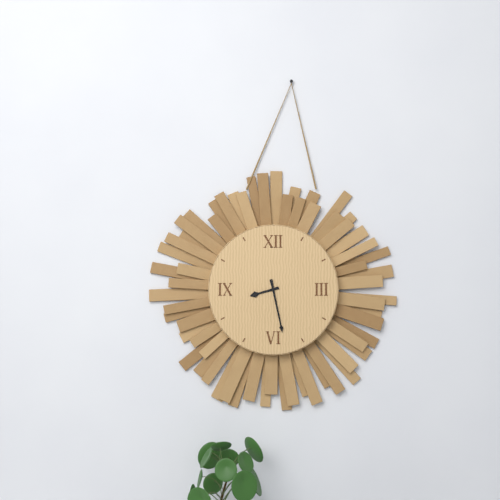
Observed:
8.28
